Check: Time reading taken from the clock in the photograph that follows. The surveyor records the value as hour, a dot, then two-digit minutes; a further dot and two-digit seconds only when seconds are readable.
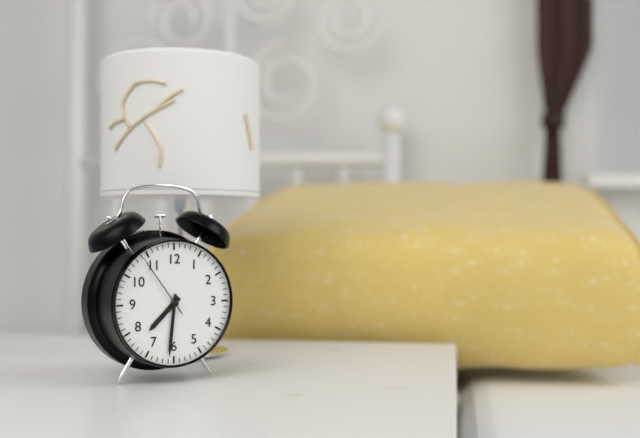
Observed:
7.31.54
